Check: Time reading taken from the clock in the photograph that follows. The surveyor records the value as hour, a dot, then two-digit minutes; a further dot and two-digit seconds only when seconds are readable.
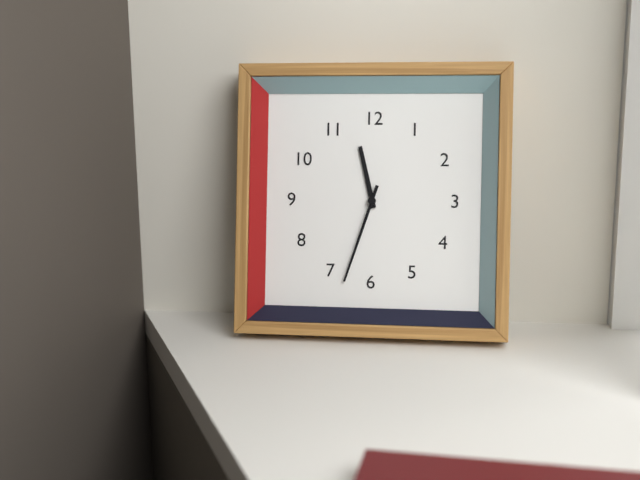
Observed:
11.33
